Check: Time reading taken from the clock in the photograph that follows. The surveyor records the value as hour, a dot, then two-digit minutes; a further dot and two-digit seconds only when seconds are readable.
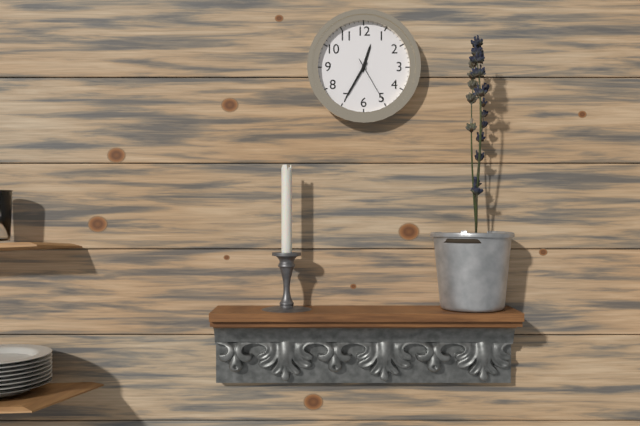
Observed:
12.35
